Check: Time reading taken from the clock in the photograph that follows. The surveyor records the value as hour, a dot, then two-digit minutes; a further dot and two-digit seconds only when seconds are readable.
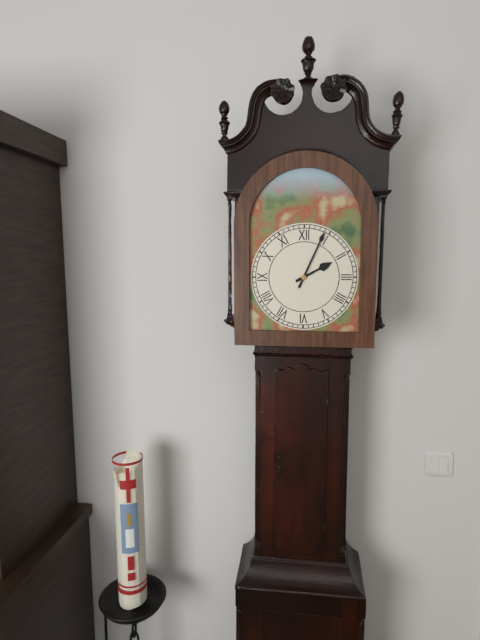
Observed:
2.04
